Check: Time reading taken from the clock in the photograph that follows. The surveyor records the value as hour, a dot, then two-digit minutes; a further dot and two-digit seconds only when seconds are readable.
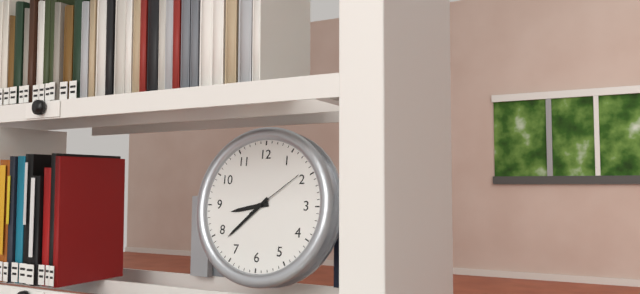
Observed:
8.38.09
